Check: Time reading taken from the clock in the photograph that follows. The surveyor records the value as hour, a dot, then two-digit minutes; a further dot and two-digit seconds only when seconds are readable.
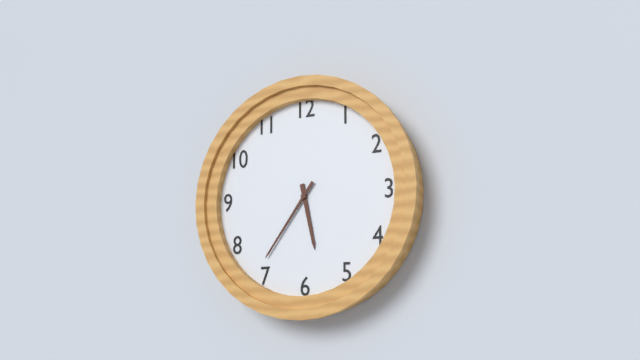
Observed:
5.36
